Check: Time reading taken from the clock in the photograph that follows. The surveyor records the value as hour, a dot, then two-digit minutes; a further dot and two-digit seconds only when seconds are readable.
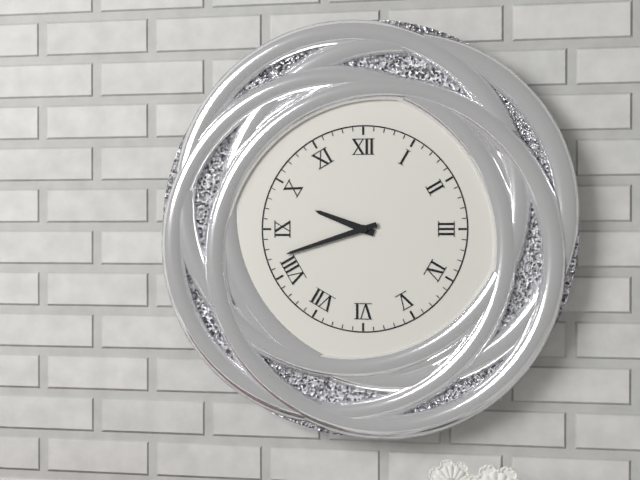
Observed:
9.42
